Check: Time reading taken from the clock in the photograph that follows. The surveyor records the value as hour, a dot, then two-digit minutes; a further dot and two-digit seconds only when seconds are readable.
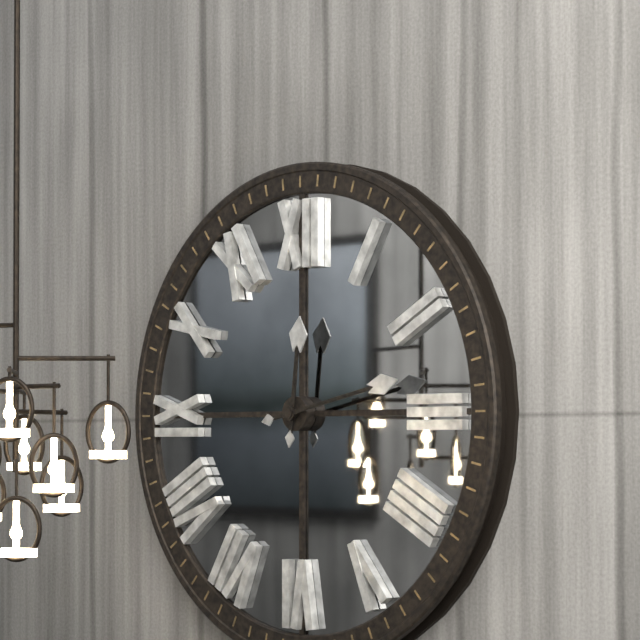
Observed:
12.13
